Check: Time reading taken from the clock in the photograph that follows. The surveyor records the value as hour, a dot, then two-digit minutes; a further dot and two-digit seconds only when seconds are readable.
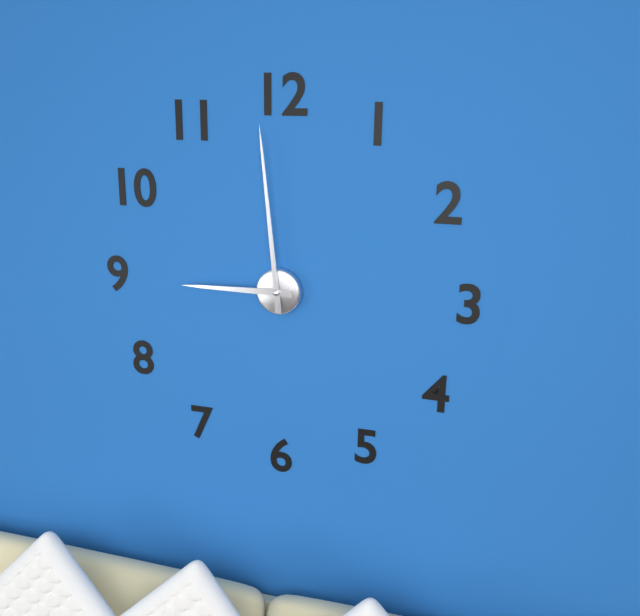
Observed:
8.59
